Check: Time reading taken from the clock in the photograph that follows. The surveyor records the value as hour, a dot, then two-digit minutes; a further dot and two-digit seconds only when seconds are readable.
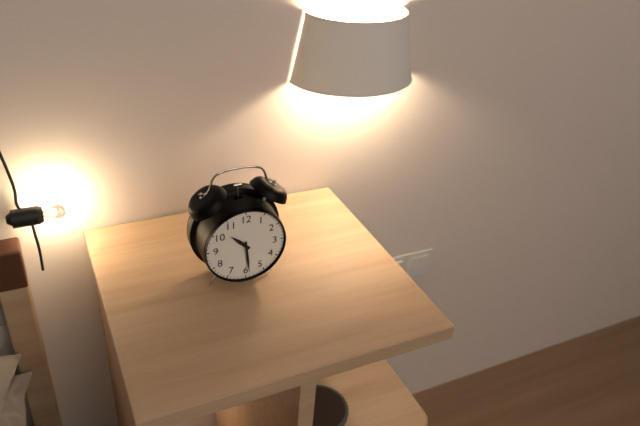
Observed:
10.29
